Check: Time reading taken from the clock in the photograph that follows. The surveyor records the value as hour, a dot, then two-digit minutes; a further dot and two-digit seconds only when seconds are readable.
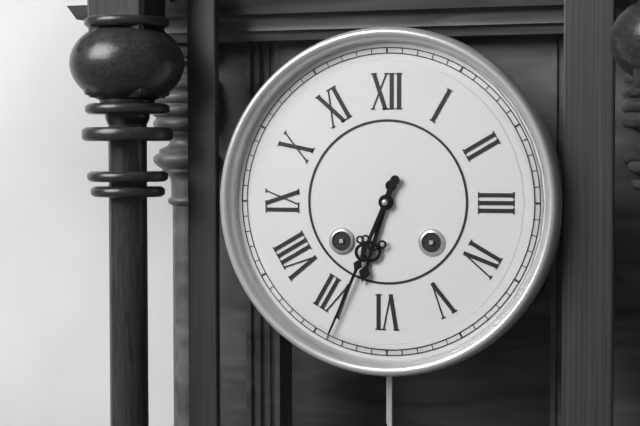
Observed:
6.34
